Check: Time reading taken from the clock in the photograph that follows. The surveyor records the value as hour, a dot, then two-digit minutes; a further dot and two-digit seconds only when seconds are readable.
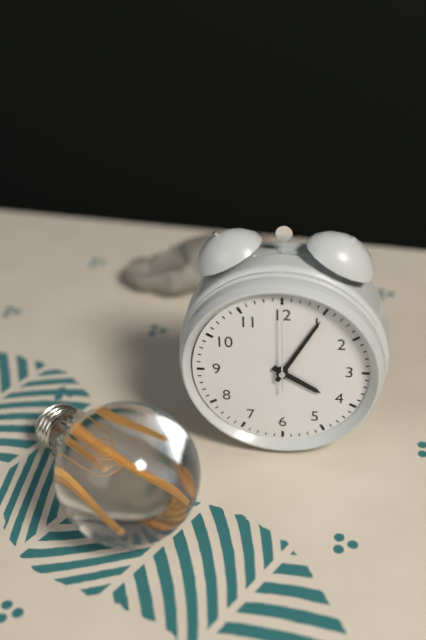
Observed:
4.05.00
